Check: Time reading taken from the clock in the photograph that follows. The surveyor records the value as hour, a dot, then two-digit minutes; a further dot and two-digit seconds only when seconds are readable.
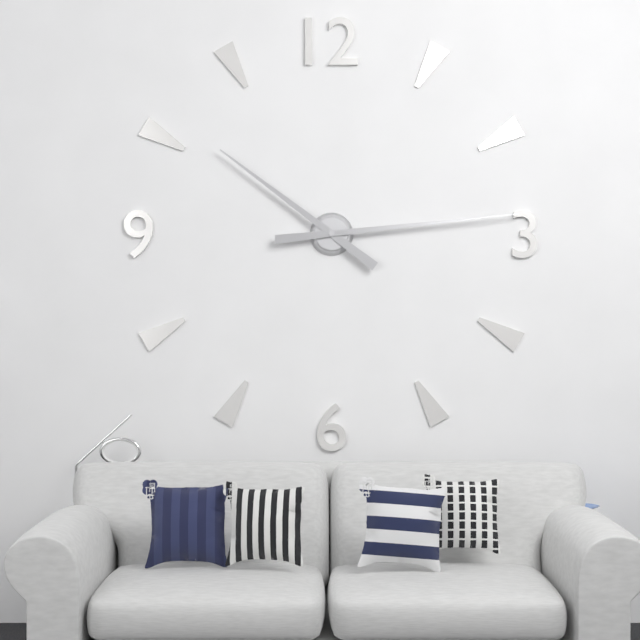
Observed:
10.14
